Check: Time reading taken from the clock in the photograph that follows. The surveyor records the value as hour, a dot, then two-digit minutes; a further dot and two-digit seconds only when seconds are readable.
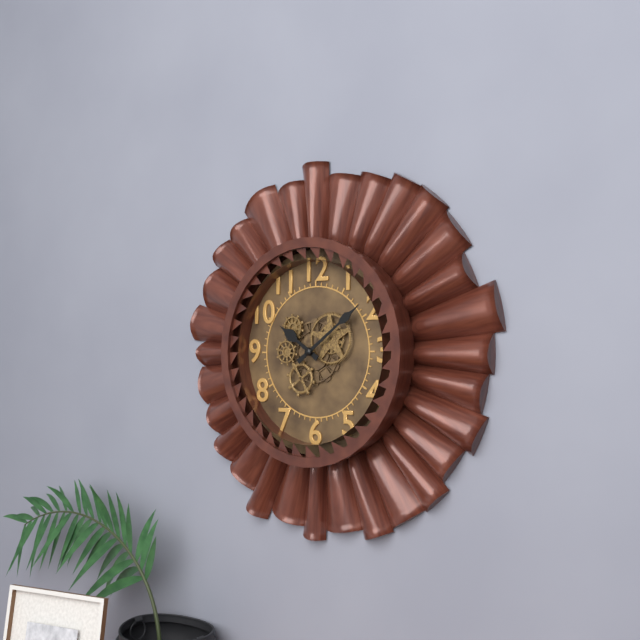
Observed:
10.09
